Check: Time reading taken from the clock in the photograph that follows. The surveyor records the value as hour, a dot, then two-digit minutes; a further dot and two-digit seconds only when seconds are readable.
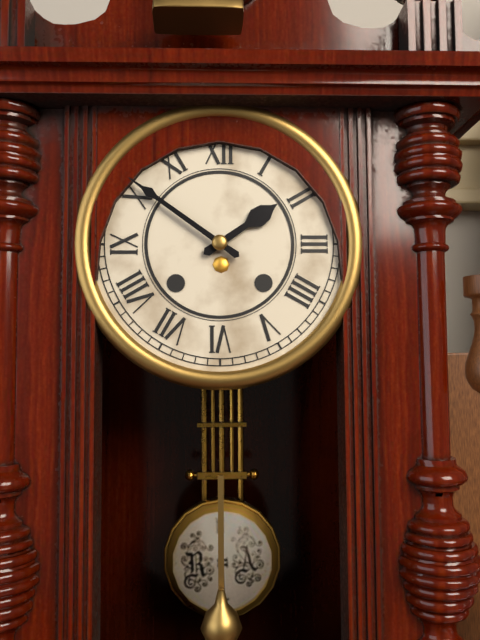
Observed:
1.51
